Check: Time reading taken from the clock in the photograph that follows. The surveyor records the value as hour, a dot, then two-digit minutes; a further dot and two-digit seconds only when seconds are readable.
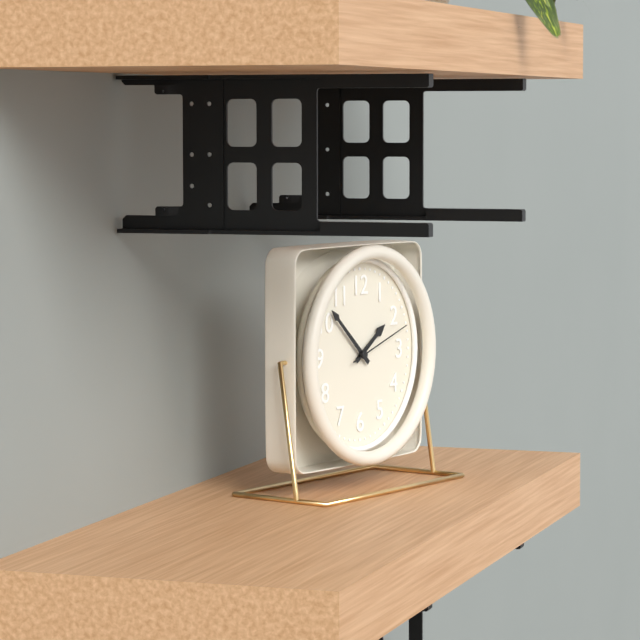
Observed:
1.52.12
